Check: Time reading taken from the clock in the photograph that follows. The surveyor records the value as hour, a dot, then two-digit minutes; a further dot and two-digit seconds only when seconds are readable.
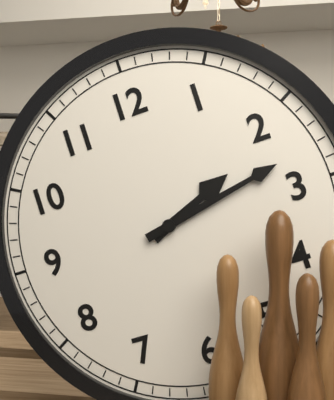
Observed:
2.13
